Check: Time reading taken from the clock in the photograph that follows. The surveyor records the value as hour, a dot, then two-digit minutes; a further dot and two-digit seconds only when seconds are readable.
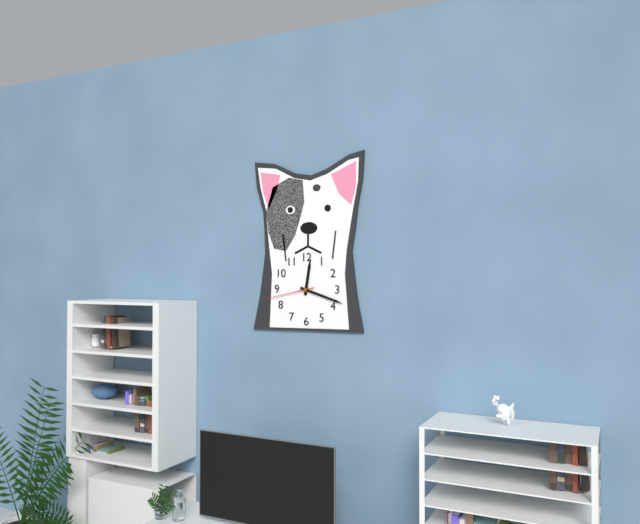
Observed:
12.18.43
